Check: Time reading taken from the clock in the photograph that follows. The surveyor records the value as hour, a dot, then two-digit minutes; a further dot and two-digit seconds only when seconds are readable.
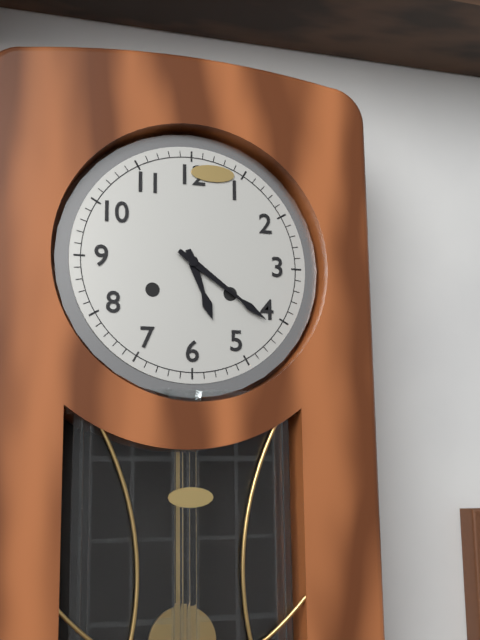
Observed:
5.21
